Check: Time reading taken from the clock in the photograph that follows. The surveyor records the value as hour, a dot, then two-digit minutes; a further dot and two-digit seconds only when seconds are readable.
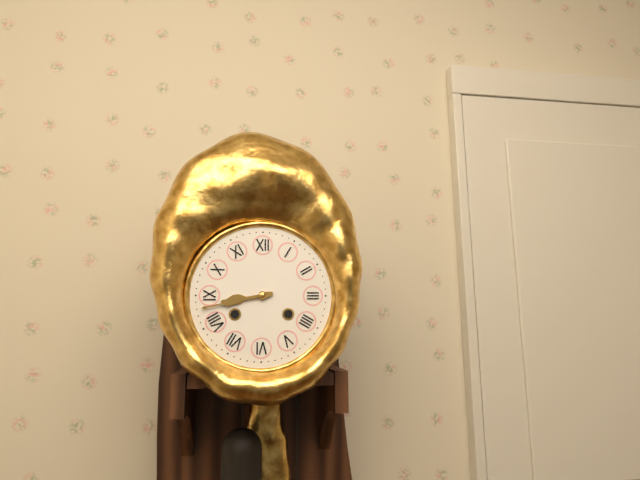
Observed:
8.43
